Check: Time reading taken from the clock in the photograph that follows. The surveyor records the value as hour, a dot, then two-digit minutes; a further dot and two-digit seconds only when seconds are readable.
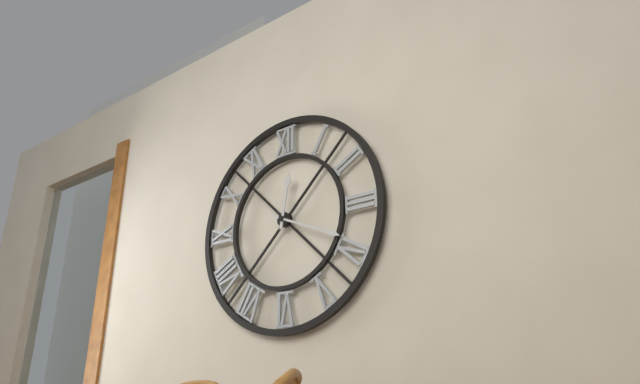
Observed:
12.19
